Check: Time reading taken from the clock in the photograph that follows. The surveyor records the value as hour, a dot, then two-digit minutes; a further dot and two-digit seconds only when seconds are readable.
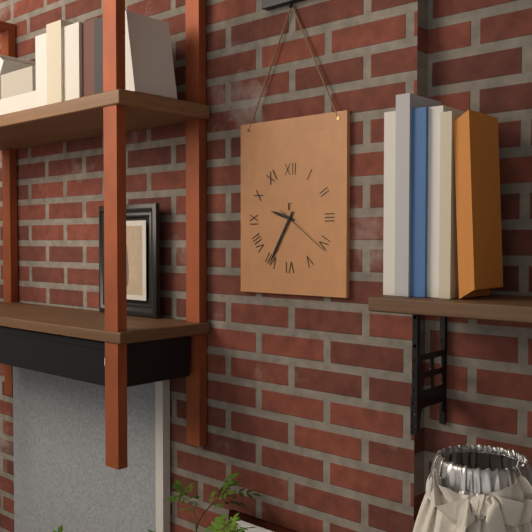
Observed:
9.35.21
